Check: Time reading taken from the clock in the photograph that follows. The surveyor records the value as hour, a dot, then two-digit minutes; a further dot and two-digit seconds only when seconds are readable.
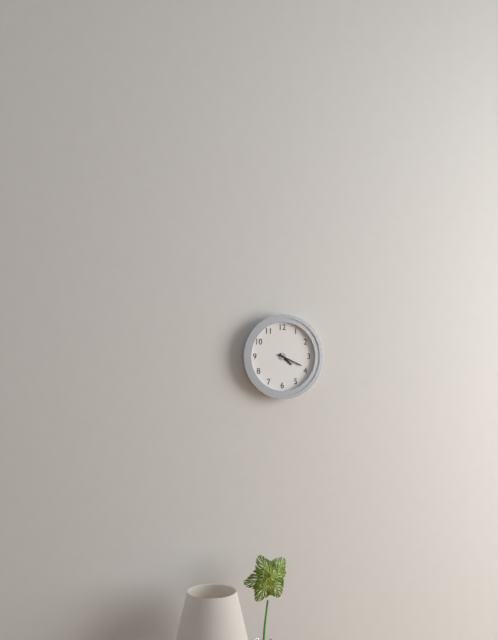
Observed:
4.19
